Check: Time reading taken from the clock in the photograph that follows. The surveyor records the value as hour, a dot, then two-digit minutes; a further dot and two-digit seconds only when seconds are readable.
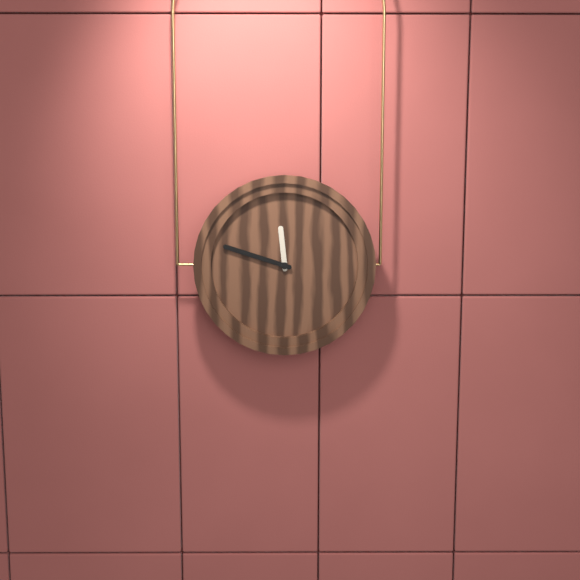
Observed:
11.48
